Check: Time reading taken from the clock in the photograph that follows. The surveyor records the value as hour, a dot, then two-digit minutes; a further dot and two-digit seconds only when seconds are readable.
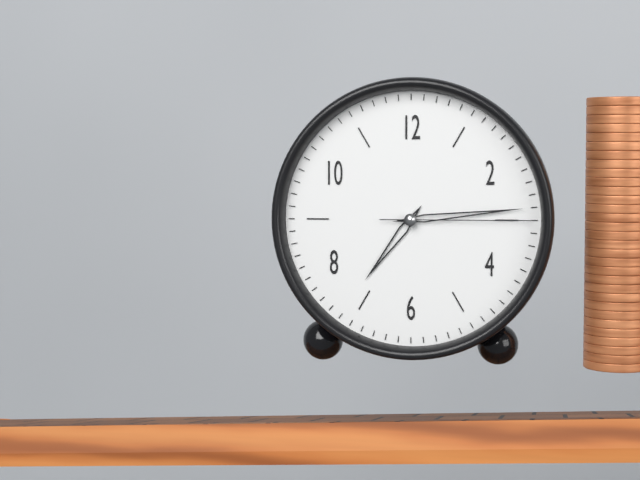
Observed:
7.14.15
